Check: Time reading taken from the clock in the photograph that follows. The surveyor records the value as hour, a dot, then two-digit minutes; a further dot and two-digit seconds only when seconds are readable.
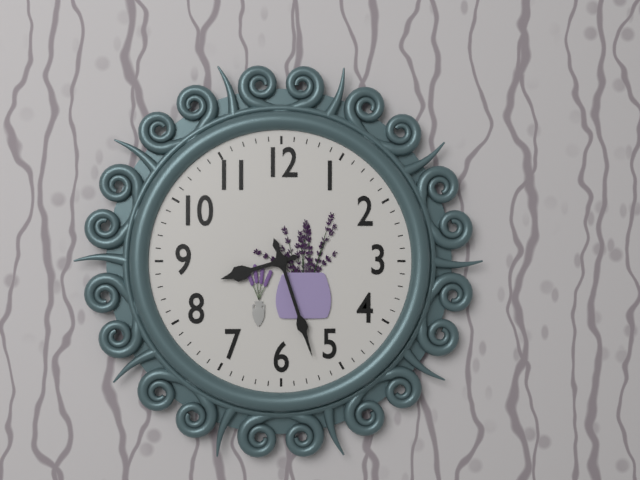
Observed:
8.27
